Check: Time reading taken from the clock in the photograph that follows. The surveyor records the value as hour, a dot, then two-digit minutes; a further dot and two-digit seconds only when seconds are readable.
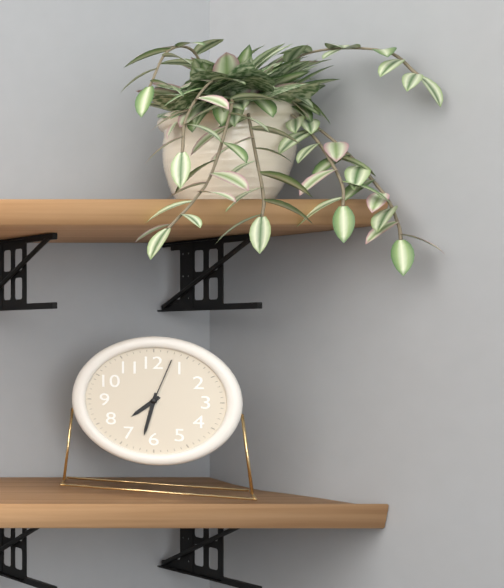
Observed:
7.32.03
